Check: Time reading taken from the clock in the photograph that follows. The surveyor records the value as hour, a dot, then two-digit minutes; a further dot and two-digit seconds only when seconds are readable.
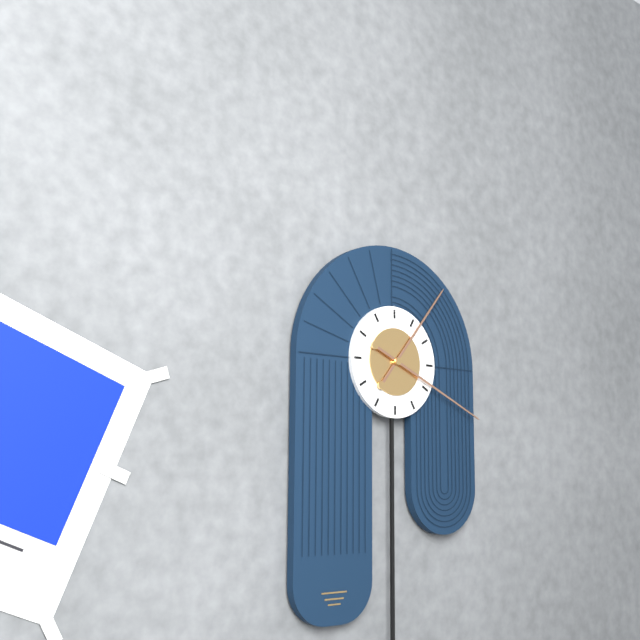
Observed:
1.19
